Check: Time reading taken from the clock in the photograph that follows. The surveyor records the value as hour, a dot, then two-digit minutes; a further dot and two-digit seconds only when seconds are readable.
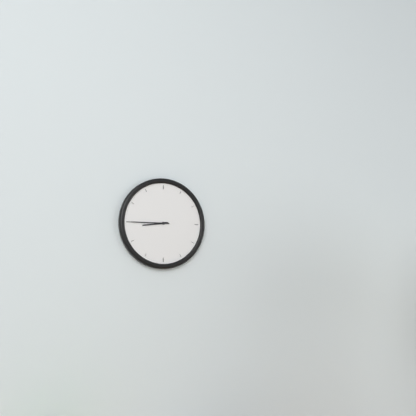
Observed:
8.45
